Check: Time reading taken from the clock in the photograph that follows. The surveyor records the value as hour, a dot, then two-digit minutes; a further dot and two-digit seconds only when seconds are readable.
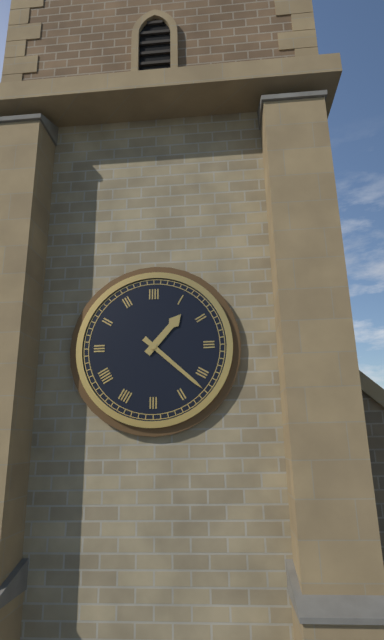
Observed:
1.22
